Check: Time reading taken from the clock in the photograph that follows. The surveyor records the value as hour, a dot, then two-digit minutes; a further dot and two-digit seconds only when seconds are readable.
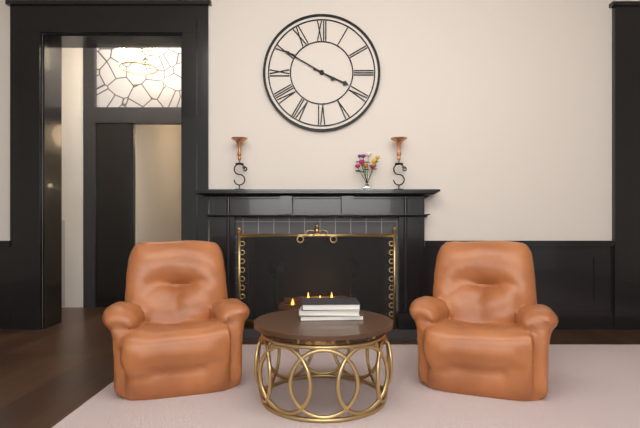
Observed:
3.50
